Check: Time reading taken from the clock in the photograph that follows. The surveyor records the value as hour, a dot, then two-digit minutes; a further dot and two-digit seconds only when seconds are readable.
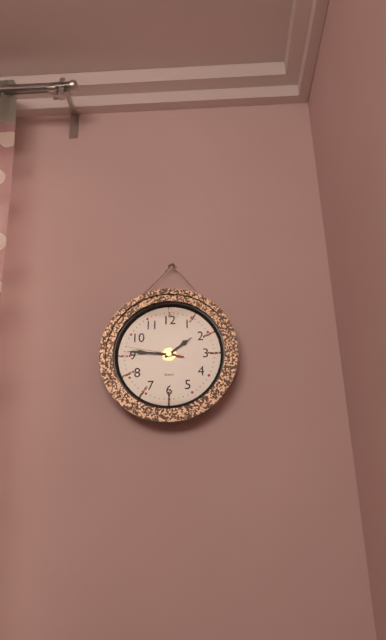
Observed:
1.46.47
